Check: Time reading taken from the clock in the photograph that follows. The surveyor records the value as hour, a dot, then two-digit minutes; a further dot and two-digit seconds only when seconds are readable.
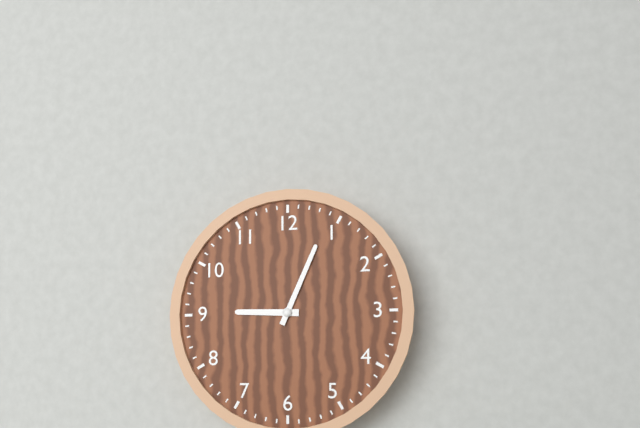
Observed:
9.04
